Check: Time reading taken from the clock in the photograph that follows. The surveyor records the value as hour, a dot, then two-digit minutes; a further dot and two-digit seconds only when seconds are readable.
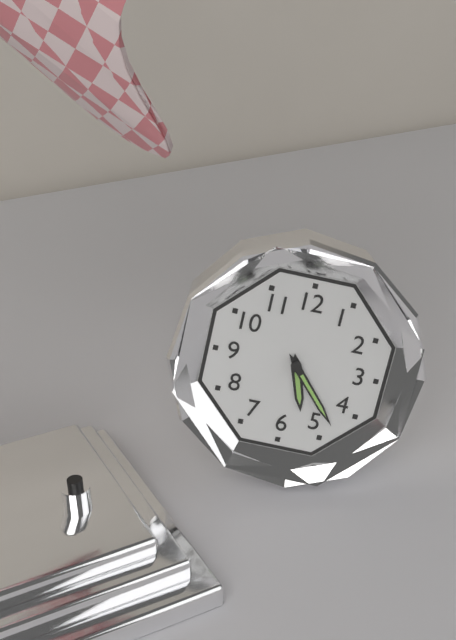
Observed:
5.23
